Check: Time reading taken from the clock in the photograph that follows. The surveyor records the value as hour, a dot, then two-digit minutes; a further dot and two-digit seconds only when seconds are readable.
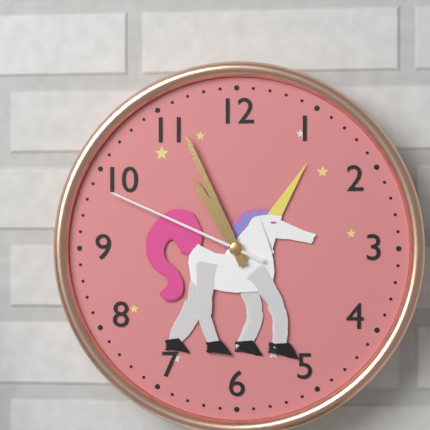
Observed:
10.56.49
